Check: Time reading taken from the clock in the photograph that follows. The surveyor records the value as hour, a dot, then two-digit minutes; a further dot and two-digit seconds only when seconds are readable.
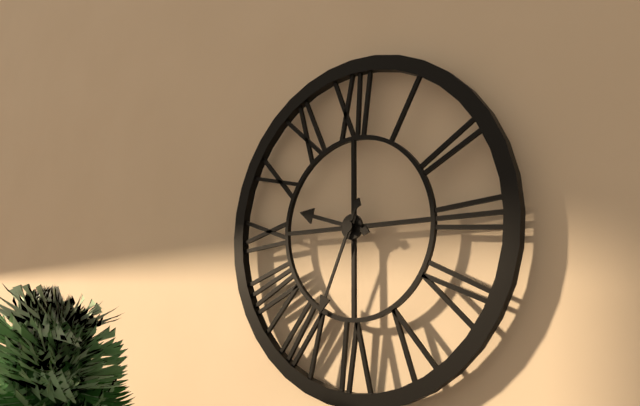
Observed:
9.34
